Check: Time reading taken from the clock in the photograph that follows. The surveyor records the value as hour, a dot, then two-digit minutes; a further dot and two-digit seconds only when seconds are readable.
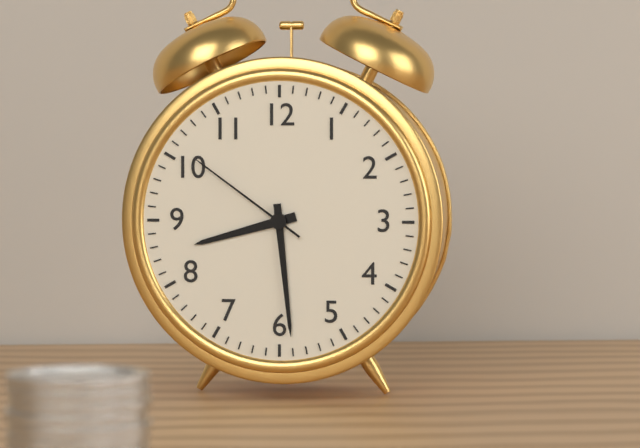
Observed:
8.29.51
